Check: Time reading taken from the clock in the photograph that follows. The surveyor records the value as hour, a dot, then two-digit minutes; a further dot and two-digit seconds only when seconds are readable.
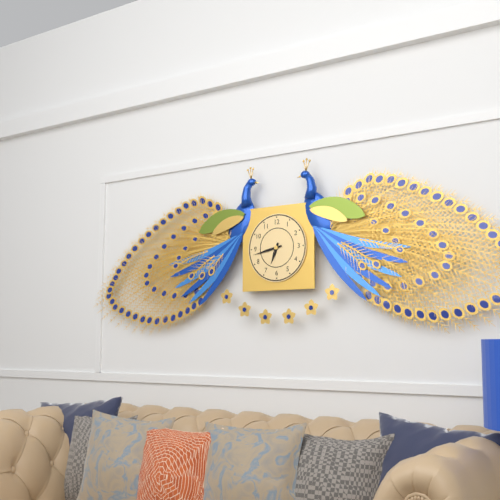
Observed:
6.43
